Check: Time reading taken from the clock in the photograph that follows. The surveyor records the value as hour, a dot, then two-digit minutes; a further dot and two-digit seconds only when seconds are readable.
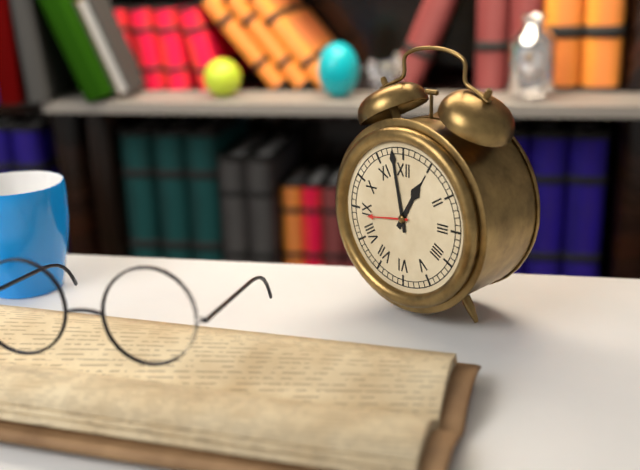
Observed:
12.58
